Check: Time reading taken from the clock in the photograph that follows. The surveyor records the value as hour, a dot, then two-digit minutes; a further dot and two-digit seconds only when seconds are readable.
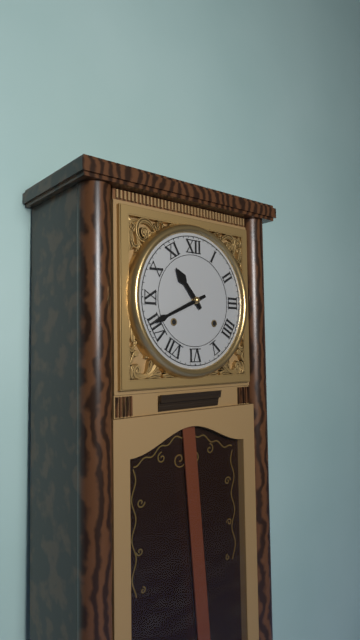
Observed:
10.41
